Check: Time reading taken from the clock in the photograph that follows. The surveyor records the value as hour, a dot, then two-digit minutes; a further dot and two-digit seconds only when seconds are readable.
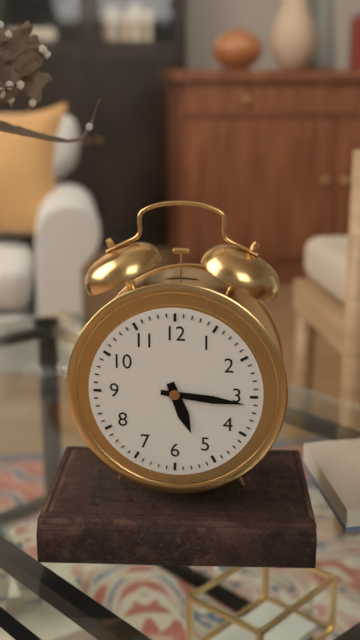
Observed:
5.16
